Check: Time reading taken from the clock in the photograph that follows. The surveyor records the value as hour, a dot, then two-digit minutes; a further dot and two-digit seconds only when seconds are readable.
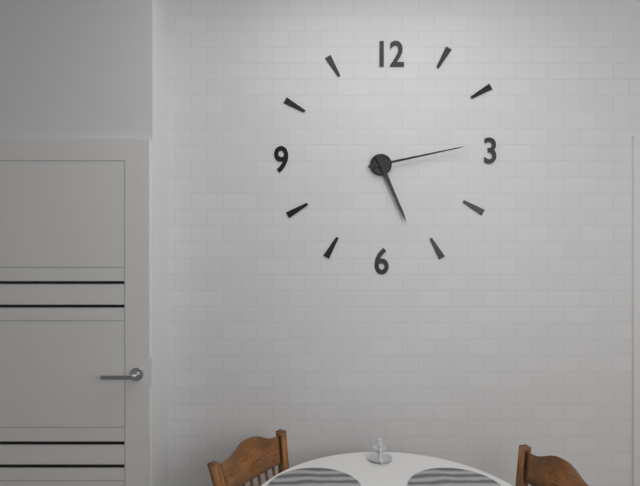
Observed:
5.13
